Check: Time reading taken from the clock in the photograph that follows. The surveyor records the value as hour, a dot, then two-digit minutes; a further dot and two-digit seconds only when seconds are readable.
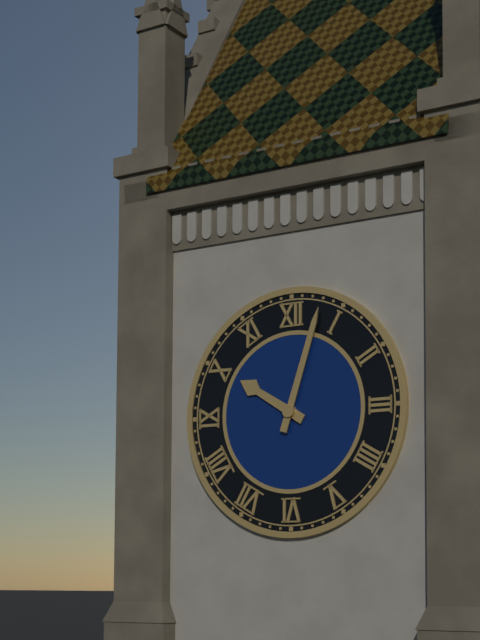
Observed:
10.03
